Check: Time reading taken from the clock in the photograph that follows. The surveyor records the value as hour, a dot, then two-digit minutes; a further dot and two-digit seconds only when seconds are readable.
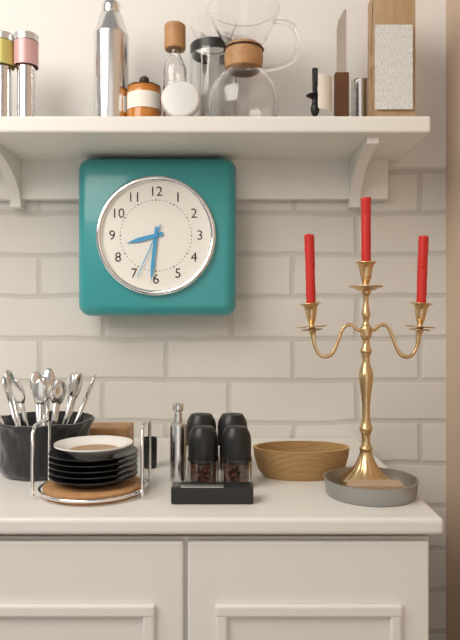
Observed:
8.31.34
